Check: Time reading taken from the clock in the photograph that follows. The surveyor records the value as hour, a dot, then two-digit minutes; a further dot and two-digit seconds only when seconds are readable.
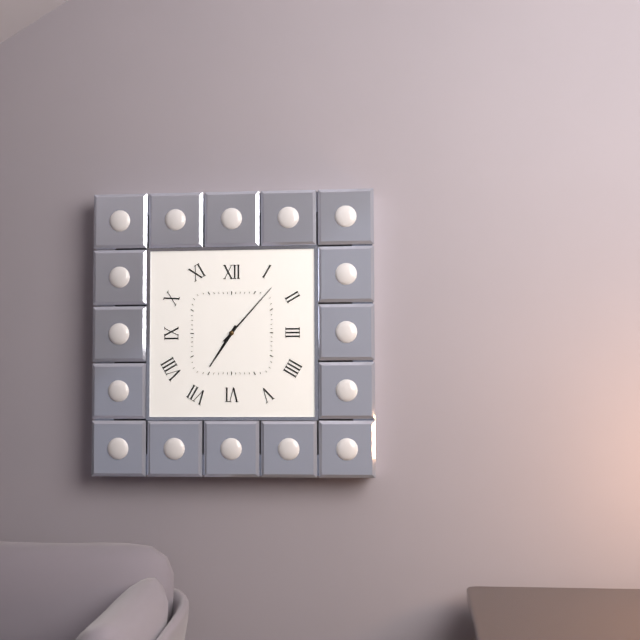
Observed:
7.07
